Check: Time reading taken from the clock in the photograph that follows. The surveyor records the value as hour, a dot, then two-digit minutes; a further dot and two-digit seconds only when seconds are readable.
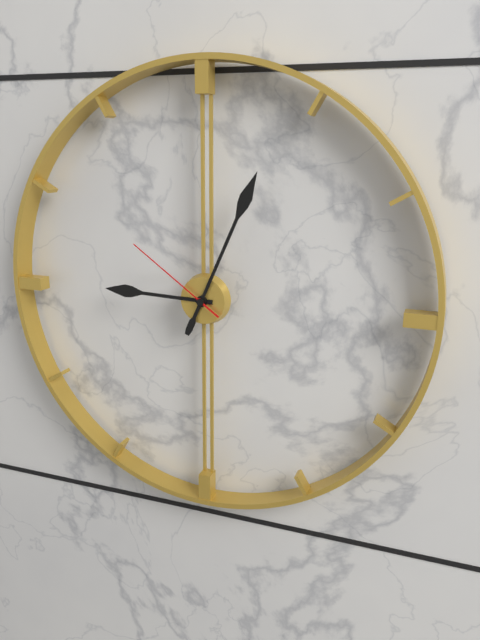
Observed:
9.04.51
